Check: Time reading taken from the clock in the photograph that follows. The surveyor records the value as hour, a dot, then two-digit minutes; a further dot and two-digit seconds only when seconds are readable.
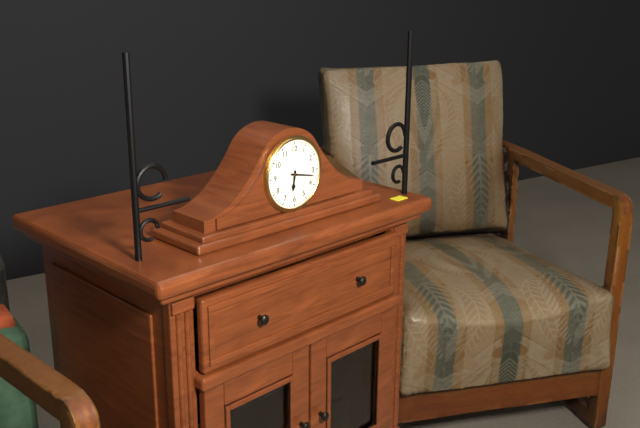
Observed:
6.17
